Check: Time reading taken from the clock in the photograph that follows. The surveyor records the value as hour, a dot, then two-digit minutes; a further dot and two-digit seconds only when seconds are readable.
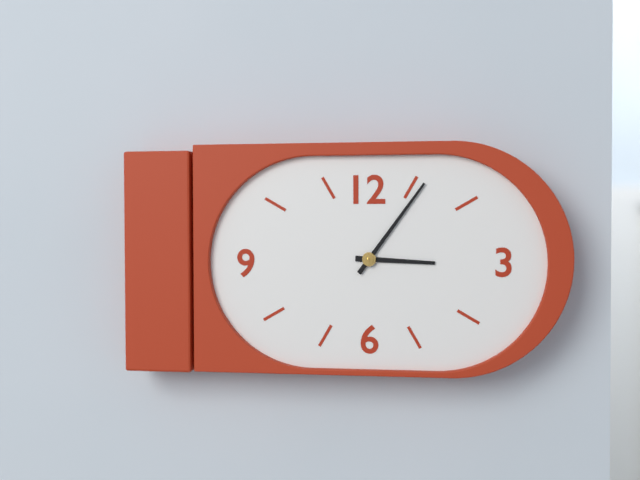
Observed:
3.06
